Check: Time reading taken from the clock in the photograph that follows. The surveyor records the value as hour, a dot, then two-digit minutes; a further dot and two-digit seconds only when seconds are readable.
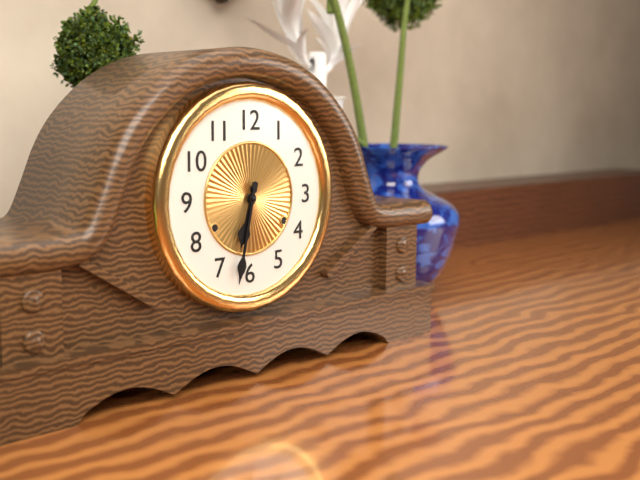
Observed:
6.32
